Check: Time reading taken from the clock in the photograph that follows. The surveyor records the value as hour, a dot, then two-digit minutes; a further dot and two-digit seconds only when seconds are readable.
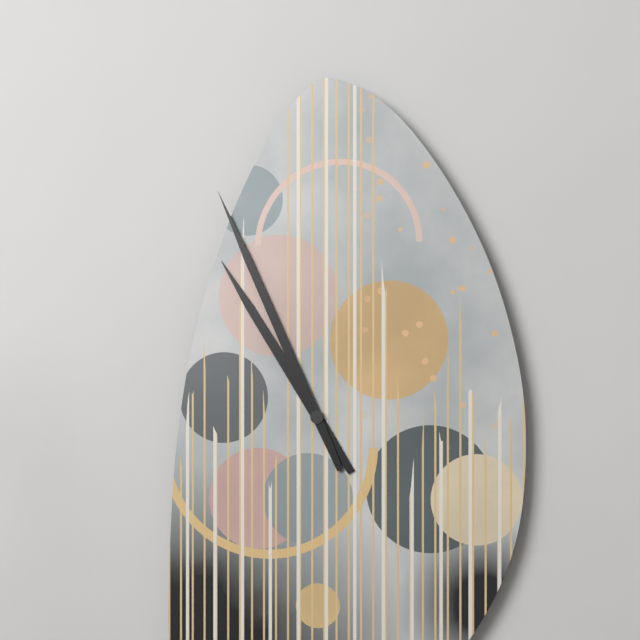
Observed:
10.56
